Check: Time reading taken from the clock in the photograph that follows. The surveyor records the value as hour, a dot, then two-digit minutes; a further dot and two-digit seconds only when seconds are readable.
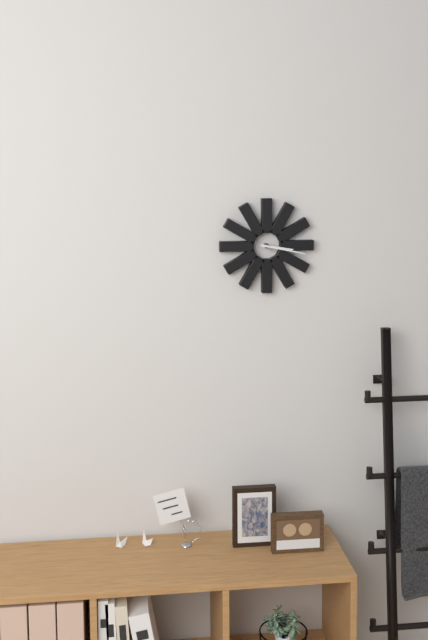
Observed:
3.17
